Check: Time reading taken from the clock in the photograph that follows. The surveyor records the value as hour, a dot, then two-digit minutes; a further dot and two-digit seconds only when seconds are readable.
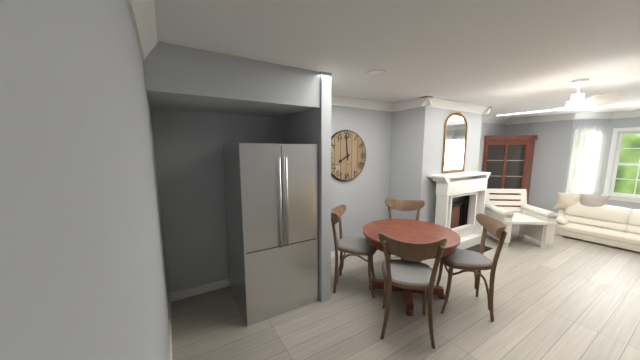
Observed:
7.59
